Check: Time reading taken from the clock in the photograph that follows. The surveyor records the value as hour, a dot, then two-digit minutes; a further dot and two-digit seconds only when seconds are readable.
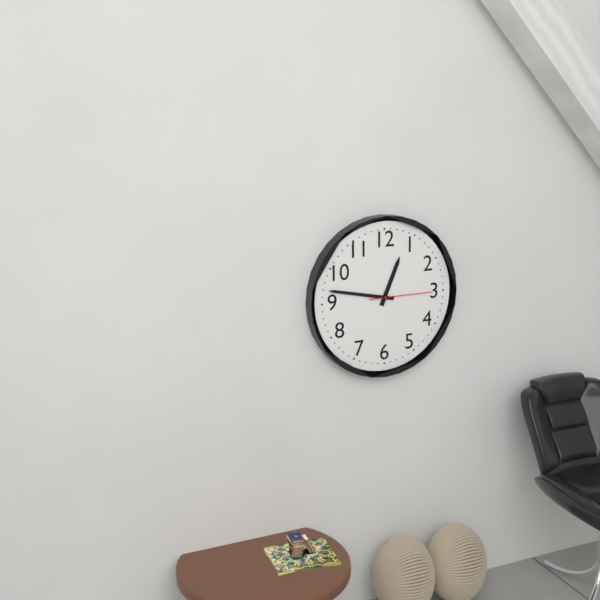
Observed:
12.47.15
